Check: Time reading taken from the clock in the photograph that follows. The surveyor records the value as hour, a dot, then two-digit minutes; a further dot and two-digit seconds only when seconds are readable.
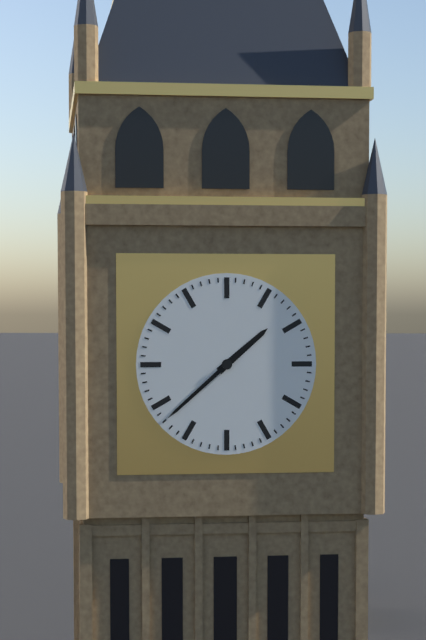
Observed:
1.38
